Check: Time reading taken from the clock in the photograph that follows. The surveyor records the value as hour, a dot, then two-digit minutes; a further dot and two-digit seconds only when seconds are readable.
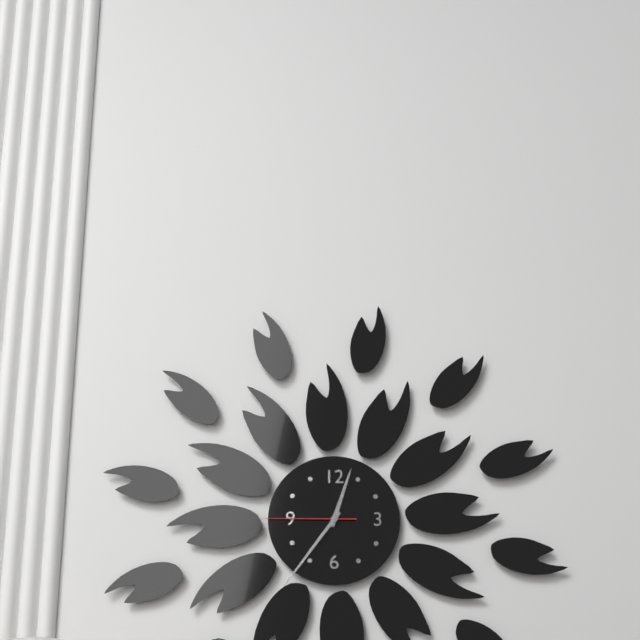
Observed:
12.36.45
